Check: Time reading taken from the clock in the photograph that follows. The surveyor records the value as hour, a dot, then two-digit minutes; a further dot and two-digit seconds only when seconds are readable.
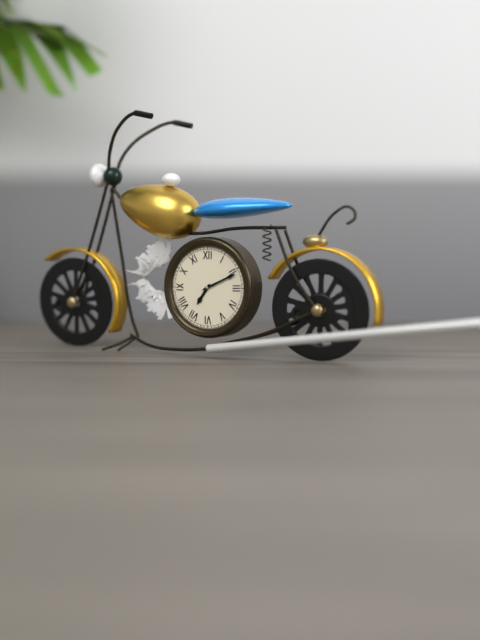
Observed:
7.11
